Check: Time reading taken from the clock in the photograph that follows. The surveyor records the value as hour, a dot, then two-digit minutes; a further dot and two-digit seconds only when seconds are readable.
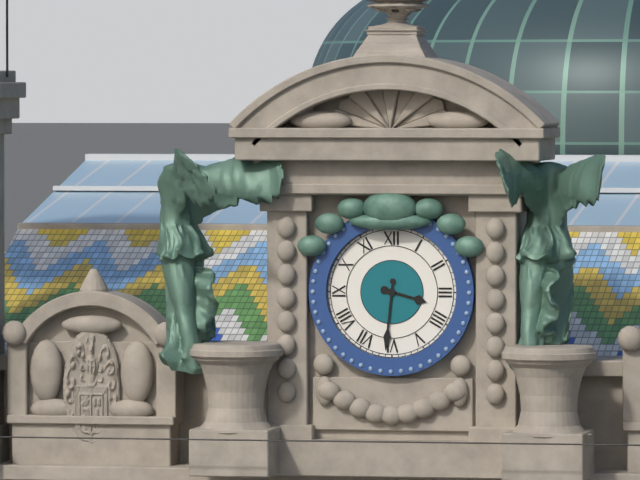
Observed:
3.31
